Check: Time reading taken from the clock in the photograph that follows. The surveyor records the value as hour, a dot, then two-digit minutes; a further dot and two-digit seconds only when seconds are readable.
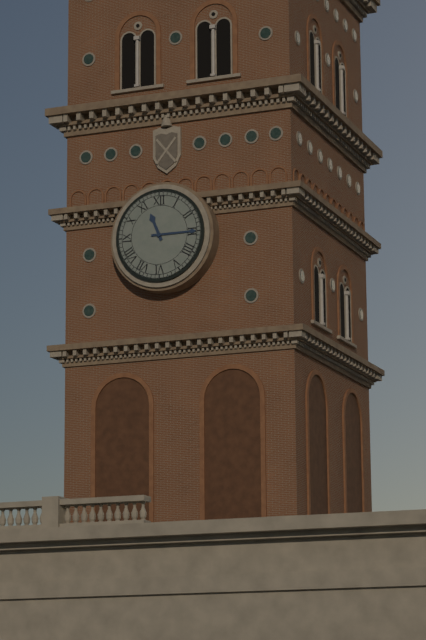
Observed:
11.15
